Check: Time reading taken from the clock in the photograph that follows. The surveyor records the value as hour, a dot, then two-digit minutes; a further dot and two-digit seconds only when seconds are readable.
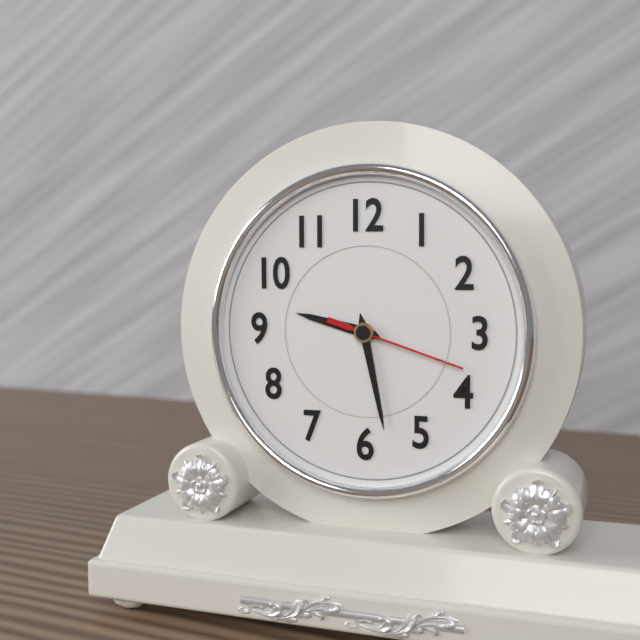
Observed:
9.28.18
